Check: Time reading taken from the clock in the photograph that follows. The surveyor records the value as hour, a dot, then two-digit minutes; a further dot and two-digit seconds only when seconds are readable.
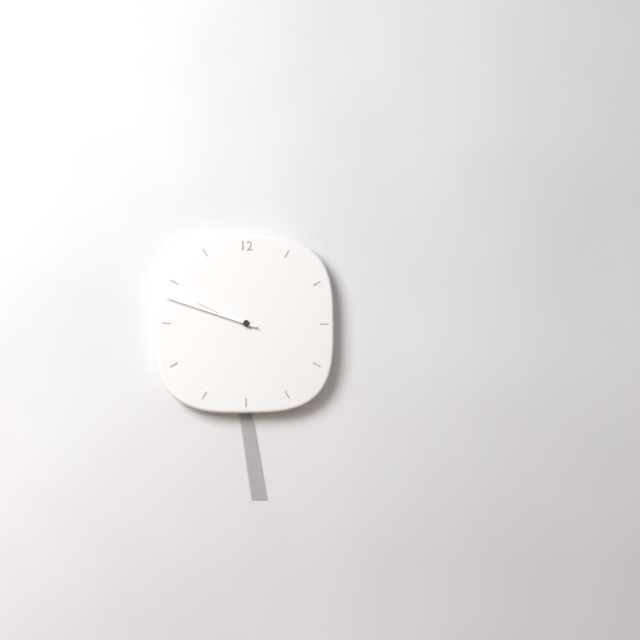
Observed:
9.48
